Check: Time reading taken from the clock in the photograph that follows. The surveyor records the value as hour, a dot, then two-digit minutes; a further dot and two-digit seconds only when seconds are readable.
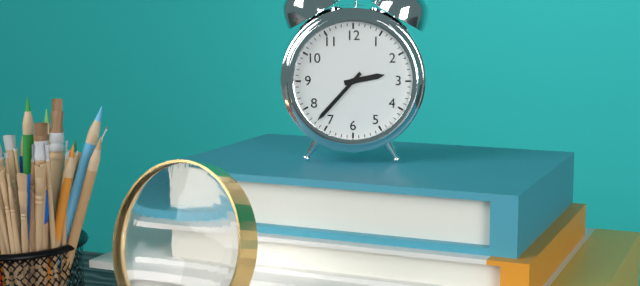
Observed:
2.37
